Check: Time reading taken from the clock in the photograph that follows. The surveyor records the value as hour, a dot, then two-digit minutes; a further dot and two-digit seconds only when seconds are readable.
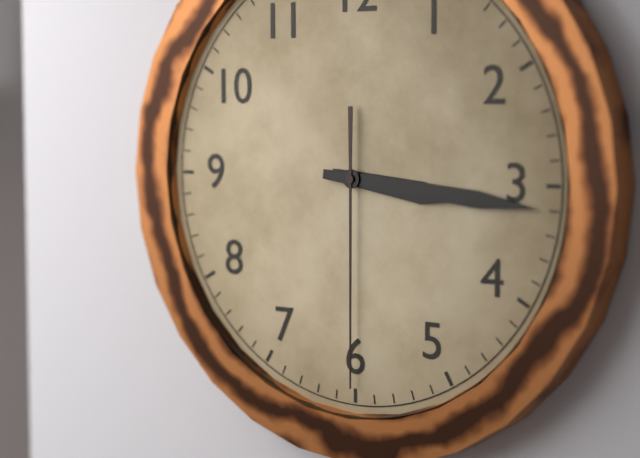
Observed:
3.16.30
